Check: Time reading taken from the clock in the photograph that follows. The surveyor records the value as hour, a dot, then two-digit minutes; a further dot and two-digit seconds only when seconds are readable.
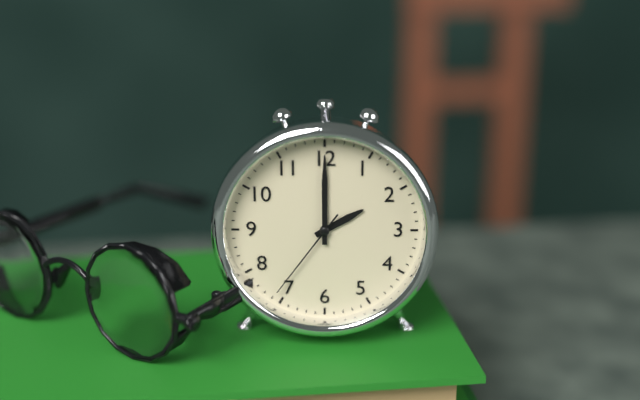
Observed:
2.00.36
